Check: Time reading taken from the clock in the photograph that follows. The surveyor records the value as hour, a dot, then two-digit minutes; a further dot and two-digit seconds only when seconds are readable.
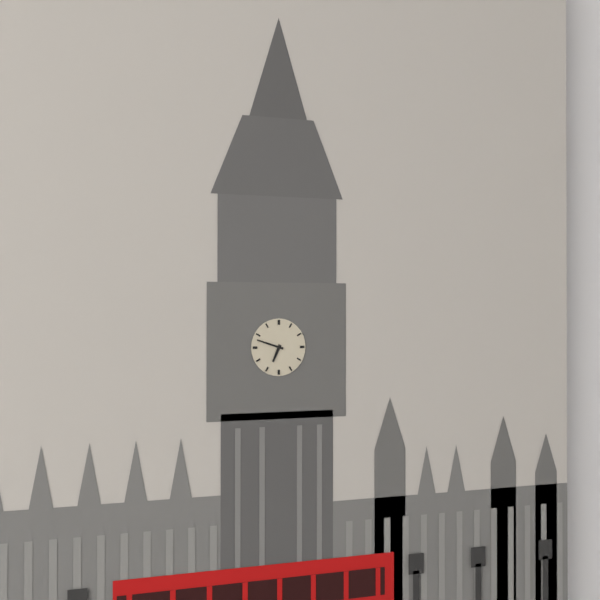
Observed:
6.48
